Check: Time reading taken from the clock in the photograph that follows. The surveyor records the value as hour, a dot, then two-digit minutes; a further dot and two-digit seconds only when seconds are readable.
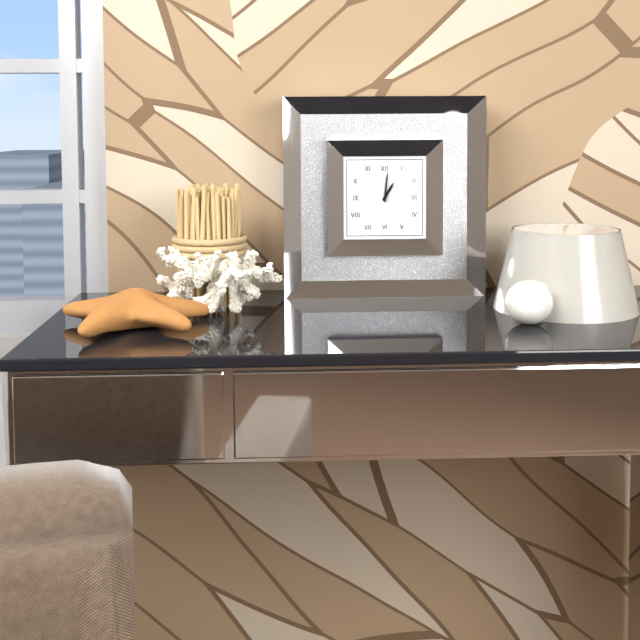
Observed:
1.01
